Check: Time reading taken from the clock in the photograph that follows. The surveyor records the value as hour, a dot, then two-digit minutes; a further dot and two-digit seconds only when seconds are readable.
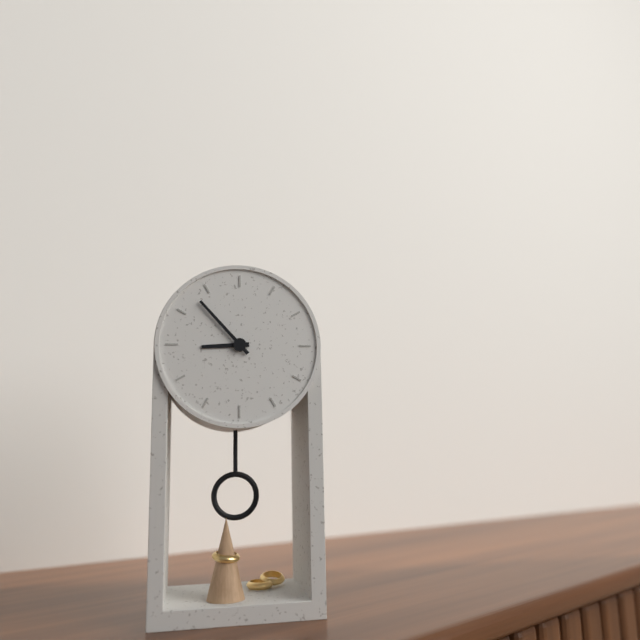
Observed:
8.53
